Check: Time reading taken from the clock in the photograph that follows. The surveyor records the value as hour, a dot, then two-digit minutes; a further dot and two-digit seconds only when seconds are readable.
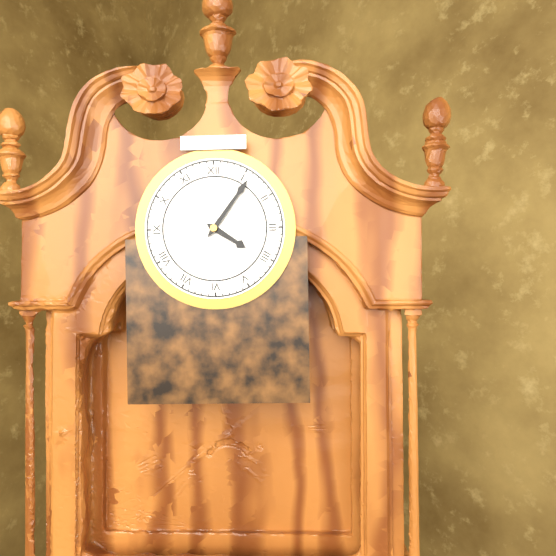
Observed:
4.06
